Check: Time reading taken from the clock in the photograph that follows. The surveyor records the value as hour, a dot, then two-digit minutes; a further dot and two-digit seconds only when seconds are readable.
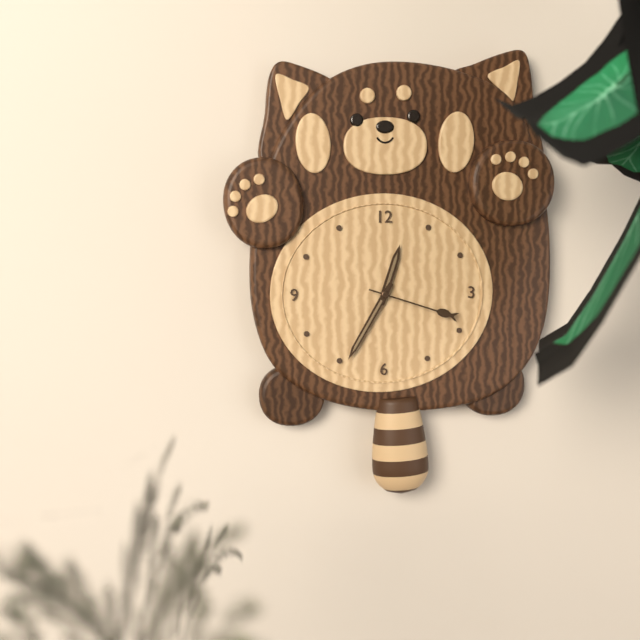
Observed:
12.35.18
